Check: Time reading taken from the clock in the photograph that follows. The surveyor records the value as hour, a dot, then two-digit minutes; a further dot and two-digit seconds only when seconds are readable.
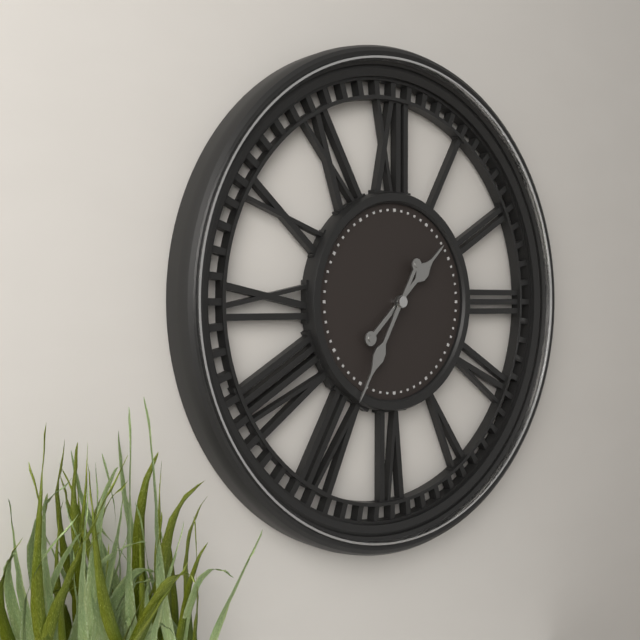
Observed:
1.35
